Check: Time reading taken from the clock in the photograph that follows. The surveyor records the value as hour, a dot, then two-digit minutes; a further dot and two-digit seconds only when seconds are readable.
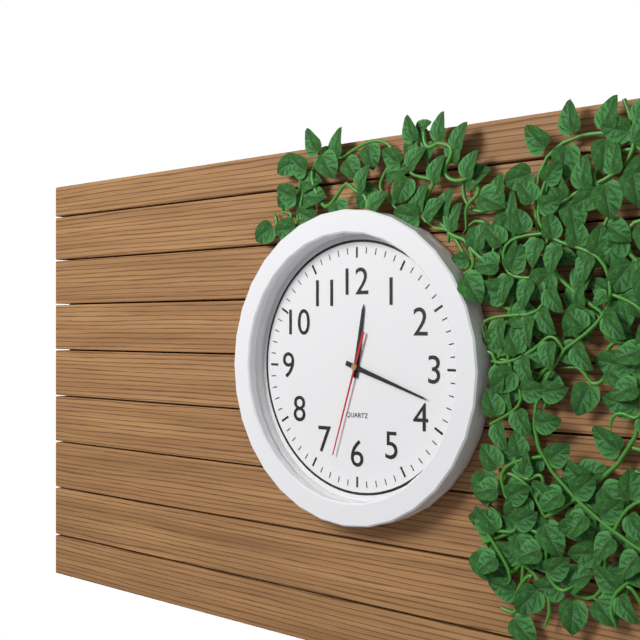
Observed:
12.18.33
